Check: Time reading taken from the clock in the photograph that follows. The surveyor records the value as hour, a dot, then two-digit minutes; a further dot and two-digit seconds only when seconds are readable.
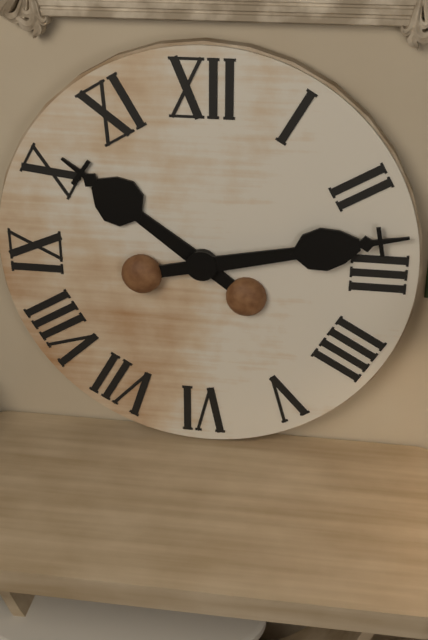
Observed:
10.13
